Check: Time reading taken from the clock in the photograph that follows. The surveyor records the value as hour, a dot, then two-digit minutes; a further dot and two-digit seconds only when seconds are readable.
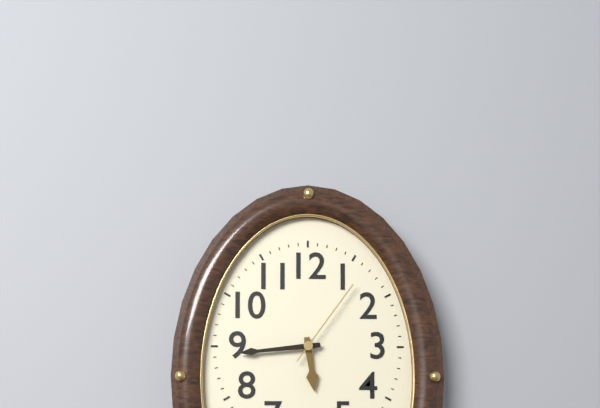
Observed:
5.44.06
